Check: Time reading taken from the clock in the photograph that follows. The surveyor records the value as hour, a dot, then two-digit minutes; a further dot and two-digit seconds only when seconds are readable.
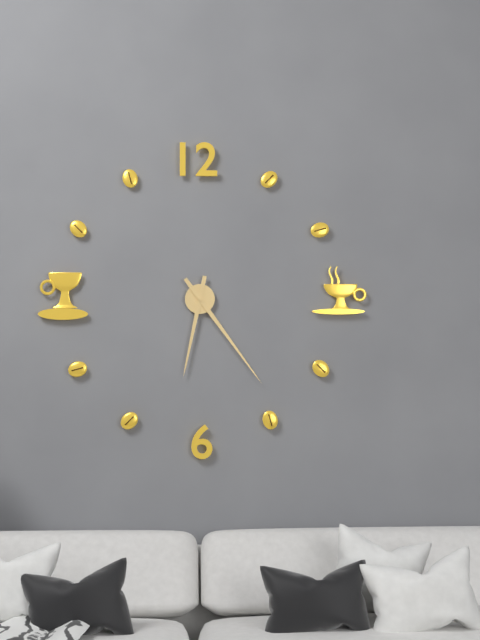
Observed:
6.24
